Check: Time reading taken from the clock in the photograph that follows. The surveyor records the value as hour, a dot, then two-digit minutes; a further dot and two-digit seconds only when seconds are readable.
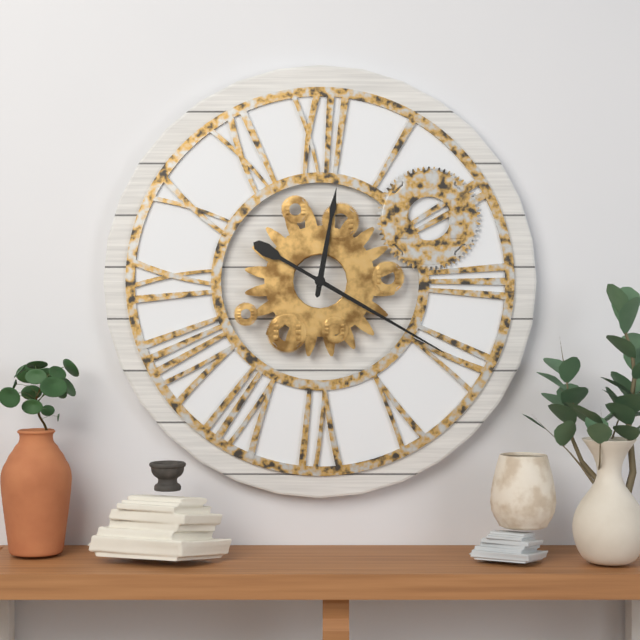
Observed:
12.20
